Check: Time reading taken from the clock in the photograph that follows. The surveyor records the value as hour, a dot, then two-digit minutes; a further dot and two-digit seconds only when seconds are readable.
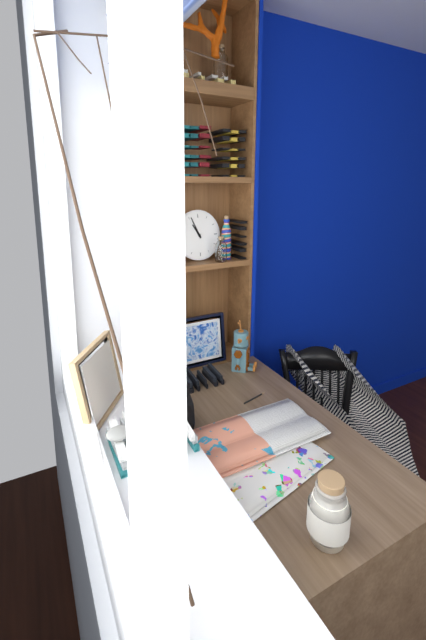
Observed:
10.56
